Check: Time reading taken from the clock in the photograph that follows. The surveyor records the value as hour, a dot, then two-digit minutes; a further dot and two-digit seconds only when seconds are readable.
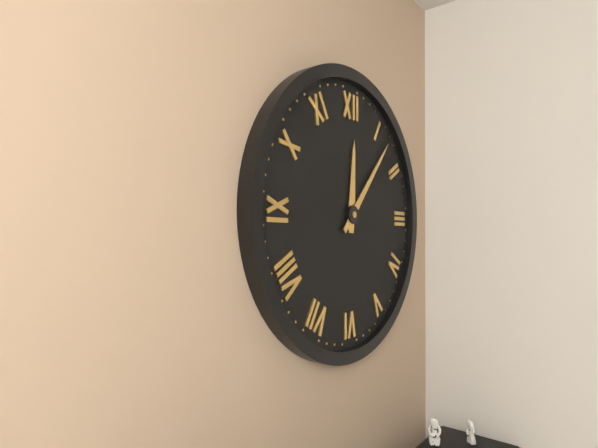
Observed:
12.07
